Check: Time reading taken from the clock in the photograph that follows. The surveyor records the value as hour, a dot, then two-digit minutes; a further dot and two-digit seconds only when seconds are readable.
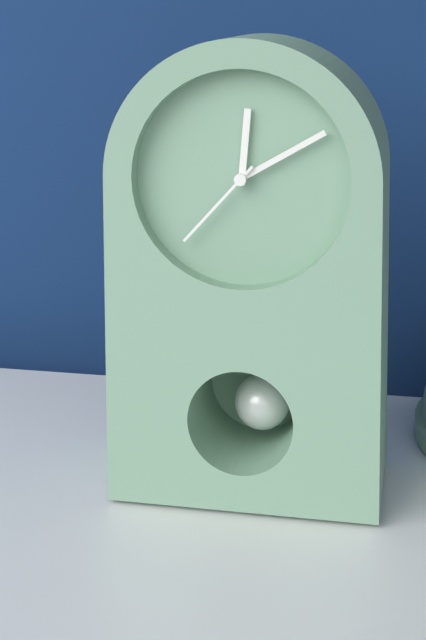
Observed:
12.10.37
